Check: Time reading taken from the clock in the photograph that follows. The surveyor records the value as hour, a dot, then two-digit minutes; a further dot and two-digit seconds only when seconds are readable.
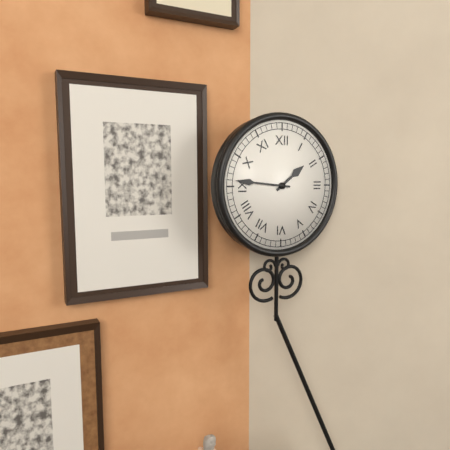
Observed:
1.46
